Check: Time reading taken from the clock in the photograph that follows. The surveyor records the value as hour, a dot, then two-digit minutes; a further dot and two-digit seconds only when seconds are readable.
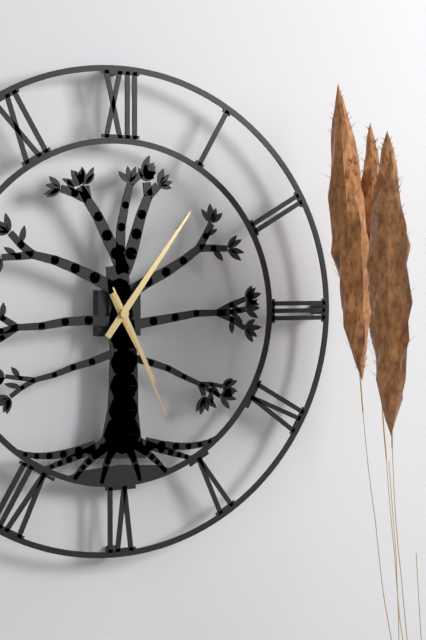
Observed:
5.06.26
